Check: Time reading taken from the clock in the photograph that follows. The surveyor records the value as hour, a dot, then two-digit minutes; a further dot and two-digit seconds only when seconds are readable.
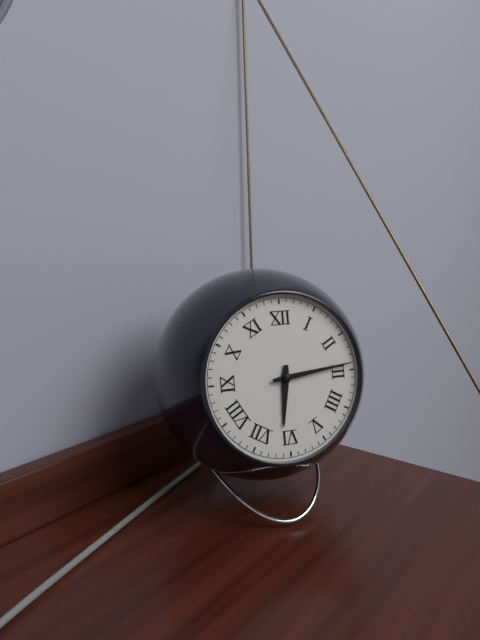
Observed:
6.14
